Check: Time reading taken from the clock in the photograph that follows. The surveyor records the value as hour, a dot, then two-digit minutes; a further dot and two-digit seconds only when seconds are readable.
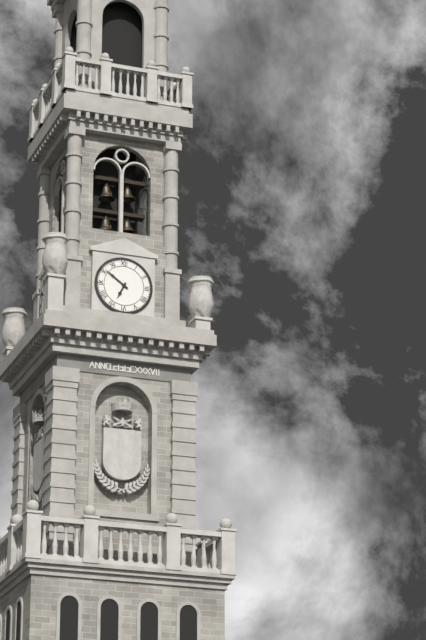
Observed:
6.51
